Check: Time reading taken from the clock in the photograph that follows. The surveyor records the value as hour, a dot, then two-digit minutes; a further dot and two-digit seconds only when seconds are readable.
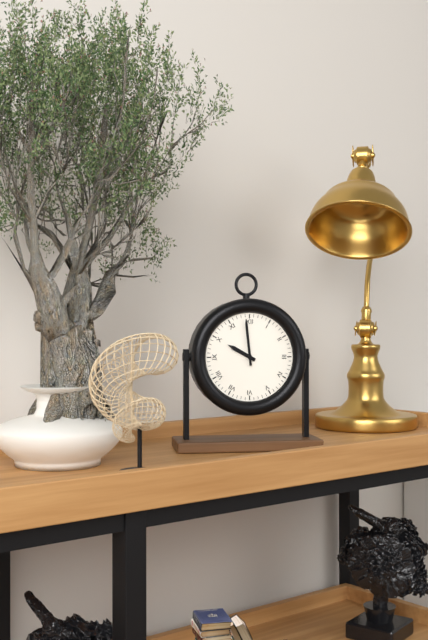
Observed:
9.59
